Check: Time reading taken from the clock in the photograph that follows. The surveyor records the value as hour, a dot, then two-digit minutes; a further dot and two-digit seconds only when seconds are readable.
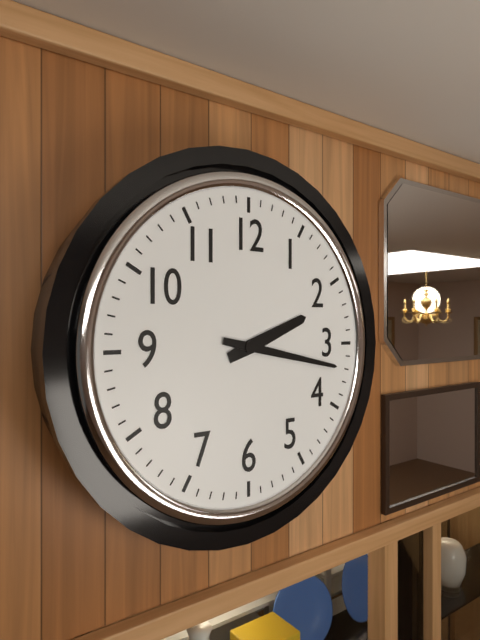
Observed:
2.17
